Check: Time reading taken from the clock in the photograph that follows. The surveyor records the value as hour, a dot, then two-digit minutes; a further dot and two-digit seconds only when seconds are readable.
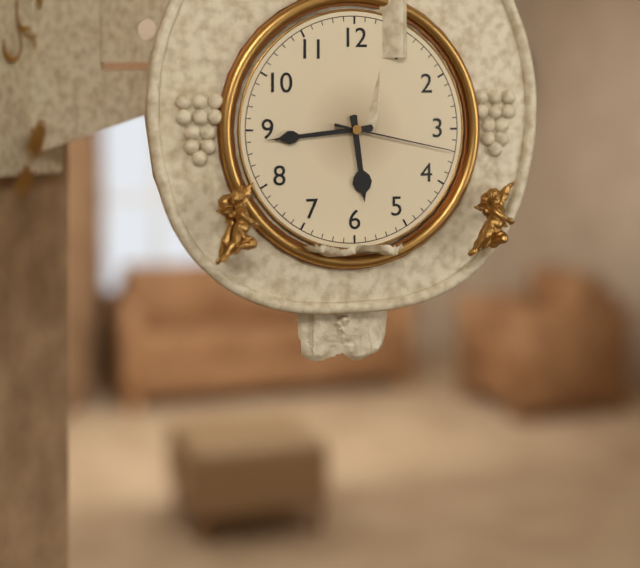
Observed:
5.44.17
